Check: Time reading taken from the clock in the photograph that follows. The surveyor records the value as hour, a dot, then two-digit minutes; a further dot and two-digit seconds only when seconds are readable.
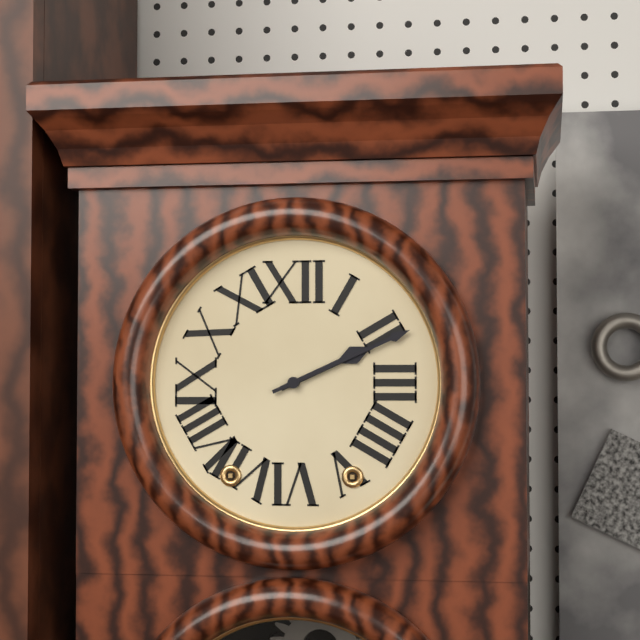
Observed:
2.11
